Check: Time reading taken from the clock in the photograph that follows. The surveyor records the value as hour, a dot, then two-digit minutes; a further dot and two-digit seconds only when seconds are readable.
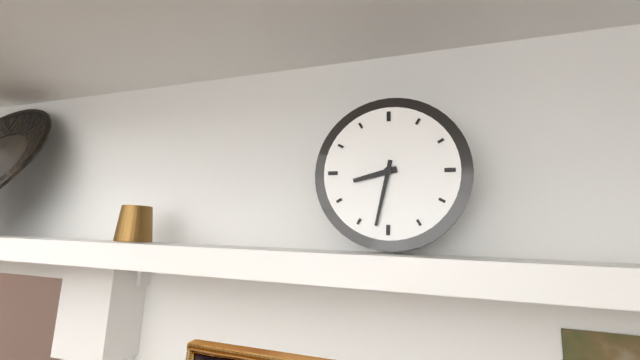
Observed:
8.32
